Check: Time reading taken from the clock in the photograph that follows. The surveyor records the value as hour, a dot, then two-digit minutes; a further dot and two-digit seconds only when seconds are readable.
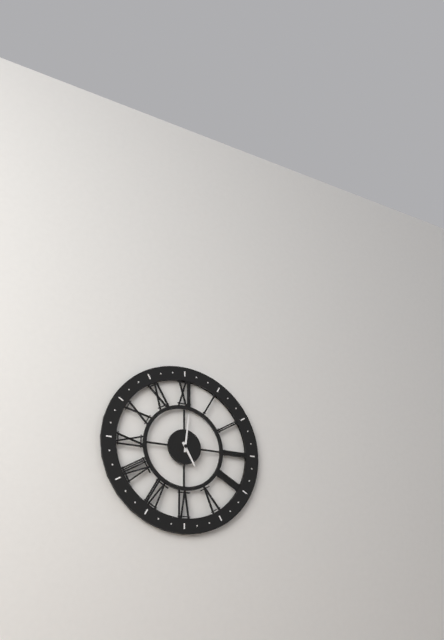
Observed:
5.01
